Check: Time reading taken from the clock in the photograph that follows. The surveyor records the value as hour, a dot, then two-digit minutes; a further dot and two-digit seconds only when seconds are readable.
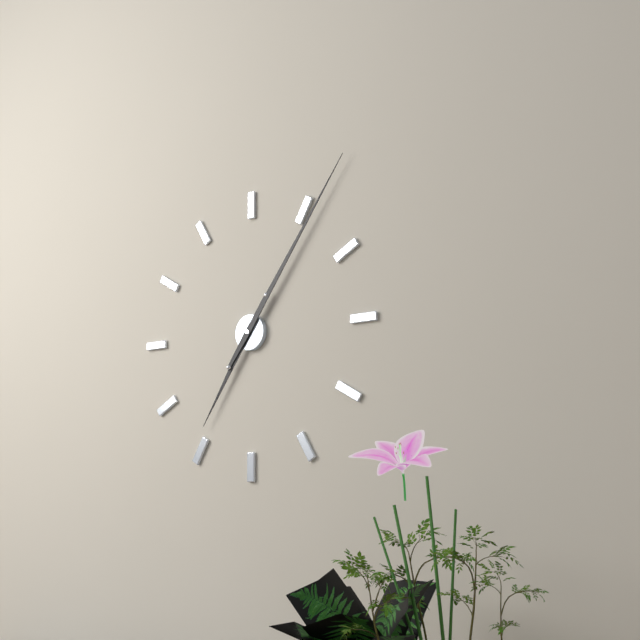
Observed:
7.06
